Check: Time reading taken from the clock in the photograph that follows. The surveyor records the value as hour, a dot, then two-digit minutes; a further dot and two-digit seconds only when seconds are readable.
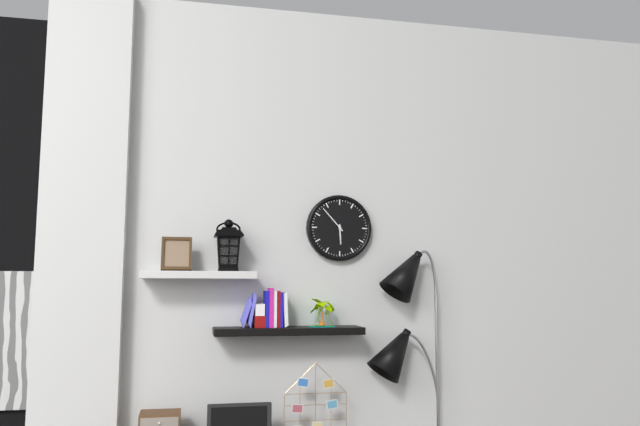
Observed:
5.53
